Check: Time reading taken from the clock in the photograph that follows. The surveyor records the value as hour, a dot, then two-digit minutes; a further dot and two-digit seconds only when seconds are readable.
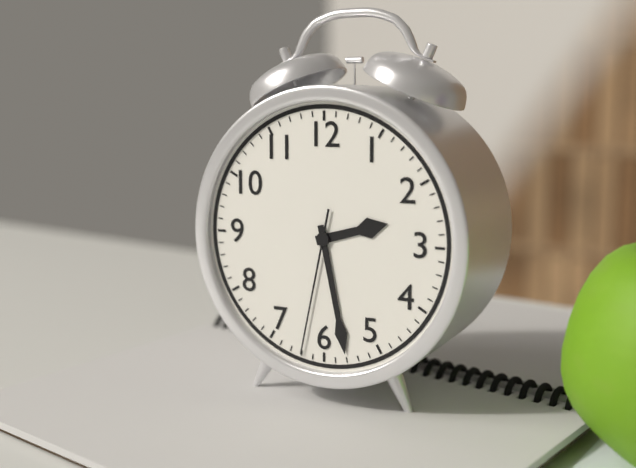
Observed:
2.28.32
